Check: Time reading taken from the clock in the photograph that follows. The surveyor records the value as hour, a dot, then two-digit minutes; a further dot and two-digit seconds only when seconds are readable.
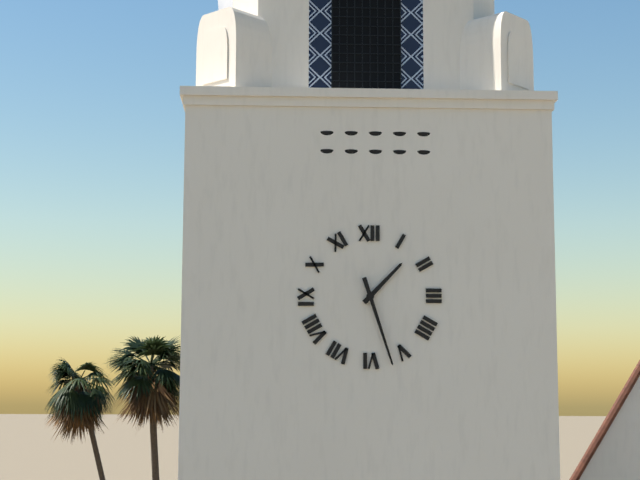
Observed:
1.27
